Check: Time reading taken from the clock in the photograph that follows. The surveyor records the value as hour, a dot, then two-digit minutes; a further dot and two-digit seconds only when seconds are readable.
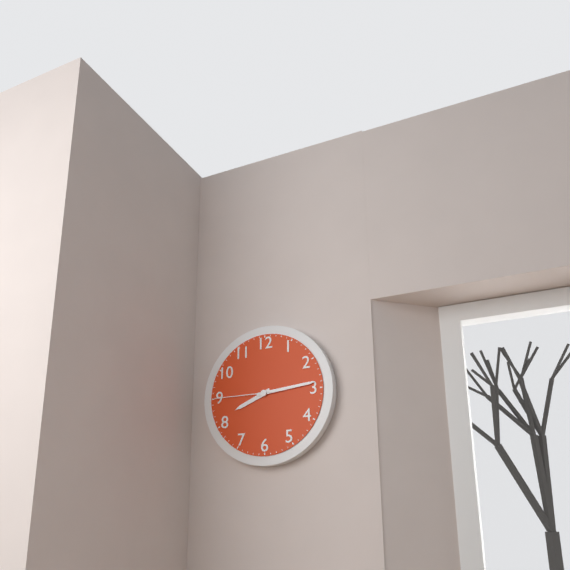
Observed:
8.14.45
